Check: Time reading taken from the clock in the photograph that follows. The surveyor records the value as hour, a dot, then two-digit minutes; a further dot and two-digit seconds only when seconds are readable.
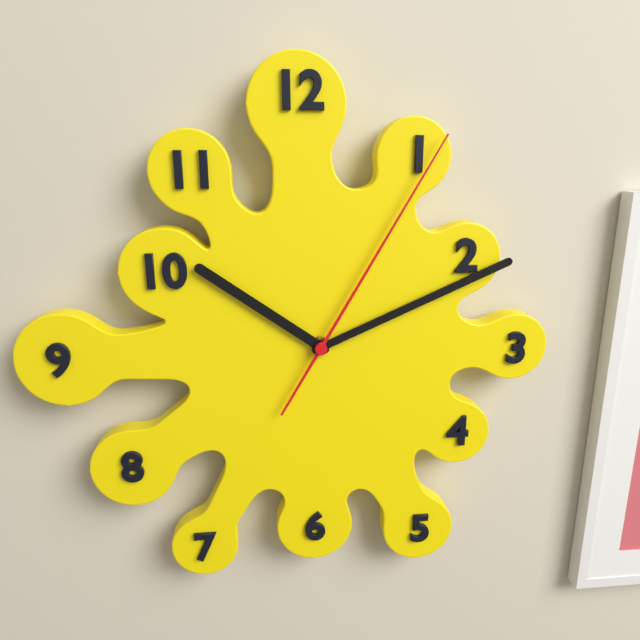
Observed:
10.11.05
